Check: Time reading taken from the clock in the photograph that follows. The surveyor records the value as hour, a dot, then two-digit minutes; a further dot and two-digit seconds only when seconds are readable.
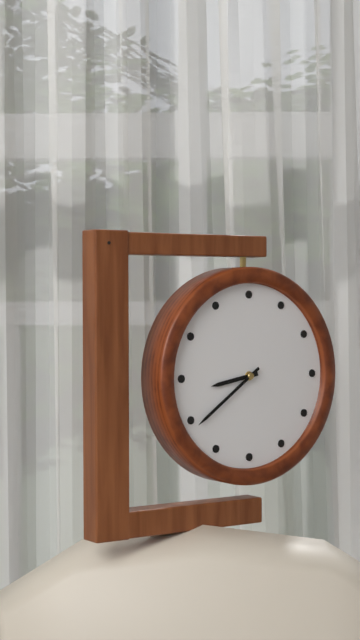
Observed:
8.39
